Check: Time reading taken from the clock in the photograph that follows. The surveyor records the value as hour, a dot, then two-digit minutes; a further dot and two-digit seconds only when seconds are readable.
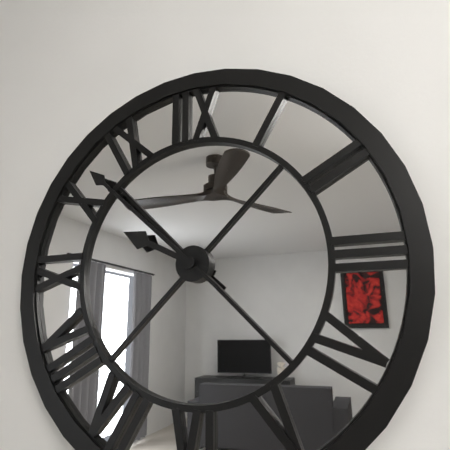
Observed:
9.52
